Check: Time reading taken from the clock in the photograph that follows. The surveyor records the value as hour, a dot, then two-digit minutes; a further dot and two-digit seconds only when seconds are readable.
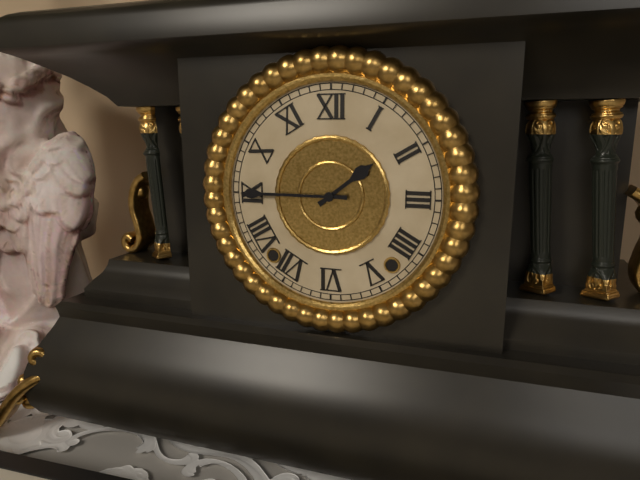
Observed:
1.45
